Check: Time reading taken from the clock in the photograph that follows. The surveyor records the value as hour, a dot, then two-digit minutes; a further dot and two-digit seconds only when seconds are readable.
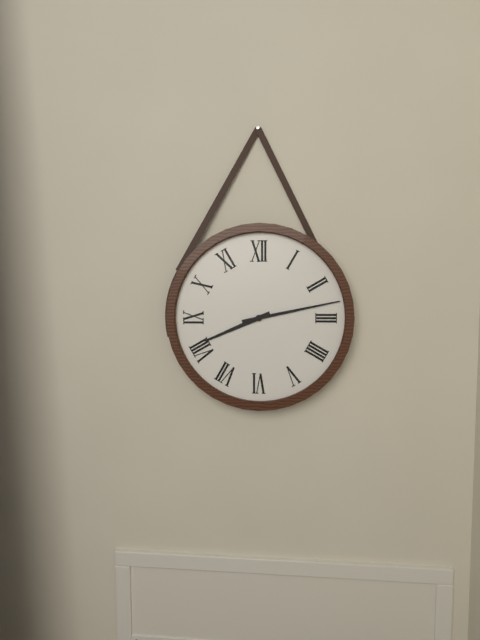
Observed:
8.13
